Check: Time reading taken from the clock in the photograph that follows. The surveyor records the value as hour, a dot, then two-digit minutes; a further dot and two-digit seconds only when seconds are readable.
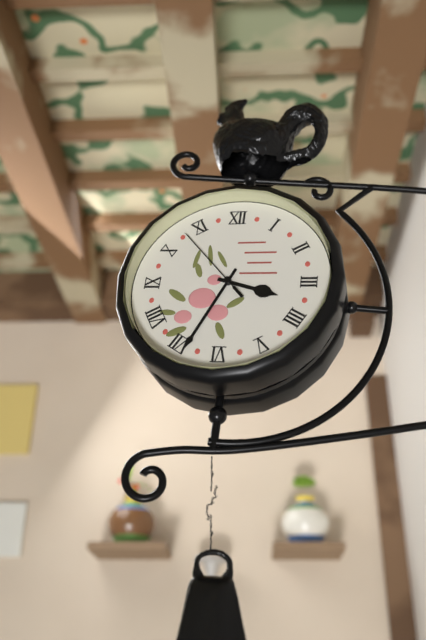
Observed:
3.34.53
